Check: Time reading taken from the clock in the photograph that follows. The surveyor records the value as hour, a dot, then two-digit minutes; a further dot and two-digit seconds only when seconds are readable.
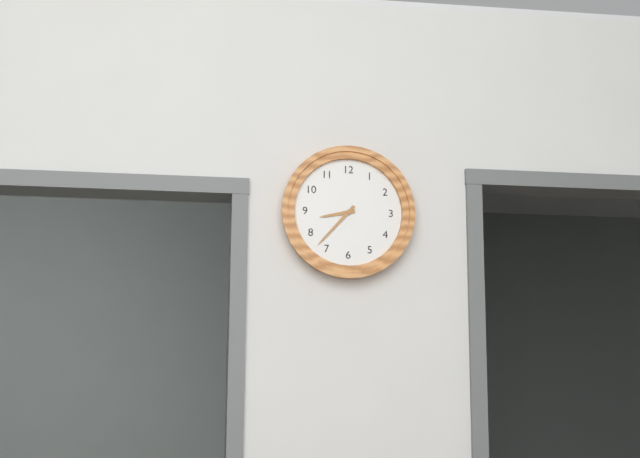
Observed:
8.37
